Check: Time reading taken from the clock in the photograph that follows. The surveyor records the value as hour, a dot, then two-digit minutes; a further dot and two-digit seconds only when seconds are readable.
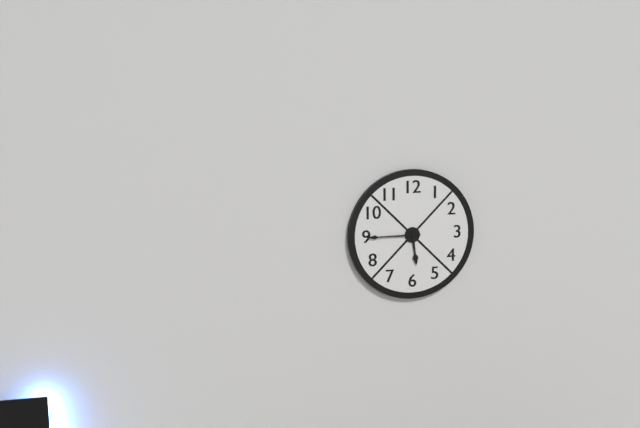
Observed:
5.45
